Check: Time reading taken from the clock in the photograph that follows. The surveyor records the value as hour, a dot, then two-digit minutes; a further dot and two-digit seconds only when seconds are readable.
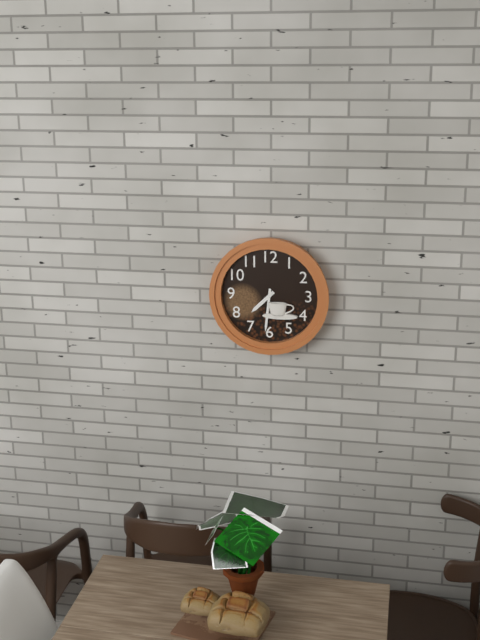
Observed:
7.31
